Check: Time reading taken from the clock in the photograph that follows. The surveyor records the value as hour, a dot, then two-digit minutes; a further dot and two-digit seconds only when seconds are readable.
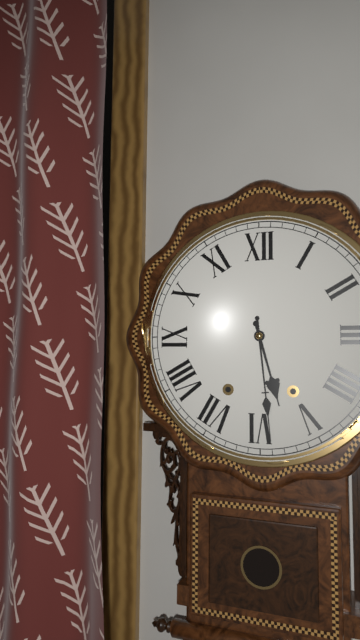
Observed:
5.29
